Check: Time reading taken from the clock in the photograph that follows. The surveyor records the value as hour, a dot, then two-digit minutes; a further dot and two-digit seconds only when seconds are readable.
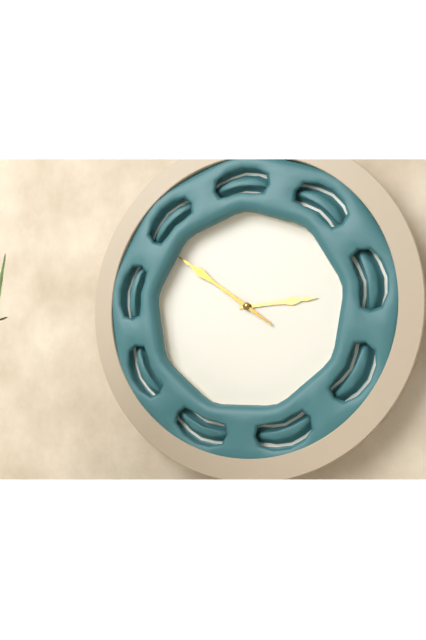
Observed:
2.51
